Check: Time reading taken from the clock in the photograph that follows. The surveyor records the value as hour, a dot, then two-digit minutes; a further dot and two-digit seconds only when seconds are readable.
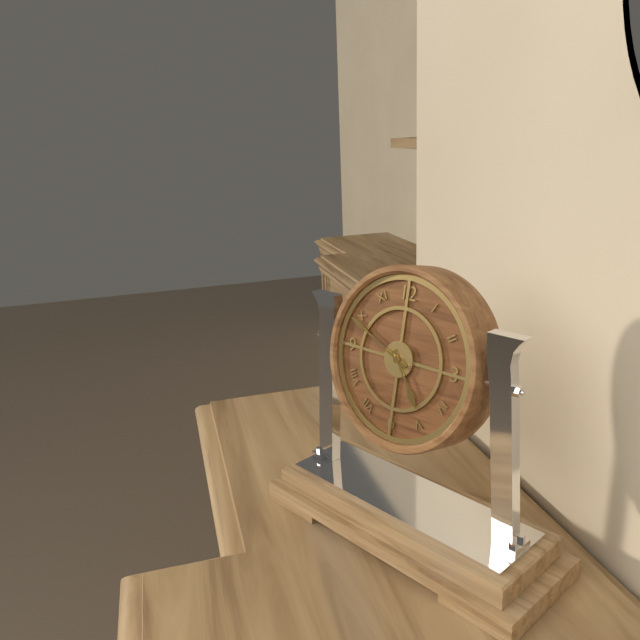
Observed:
4.49
